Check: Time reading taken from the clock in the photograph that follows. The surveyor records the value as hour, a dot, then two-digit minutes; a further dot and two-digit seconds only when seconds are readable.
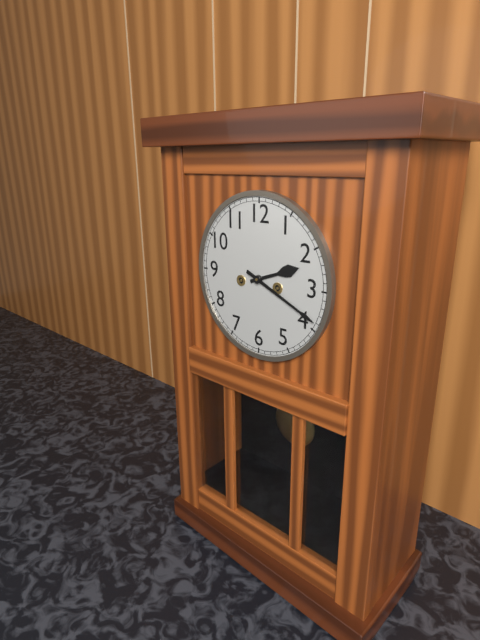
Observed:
2.19
